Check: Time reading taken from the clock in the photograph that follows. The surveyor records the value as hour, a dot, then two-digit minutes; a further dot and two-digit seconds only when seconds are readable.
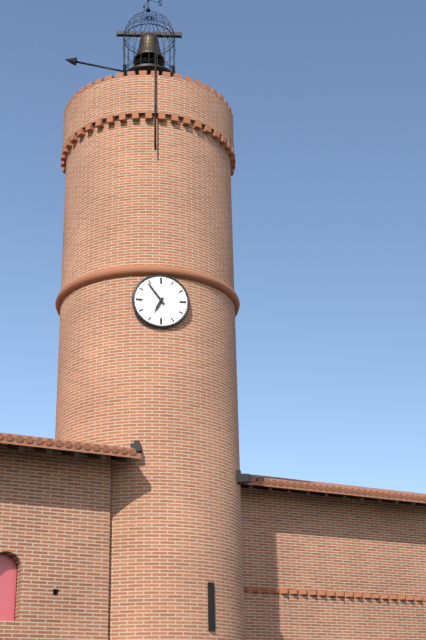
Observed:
6.54
